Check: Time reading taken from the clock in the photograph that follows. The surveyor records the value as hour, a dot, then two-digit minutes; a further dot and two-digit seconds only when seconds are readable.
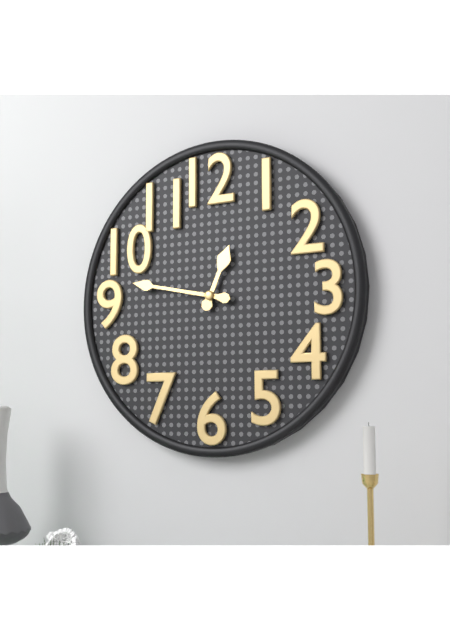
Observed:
12.47
